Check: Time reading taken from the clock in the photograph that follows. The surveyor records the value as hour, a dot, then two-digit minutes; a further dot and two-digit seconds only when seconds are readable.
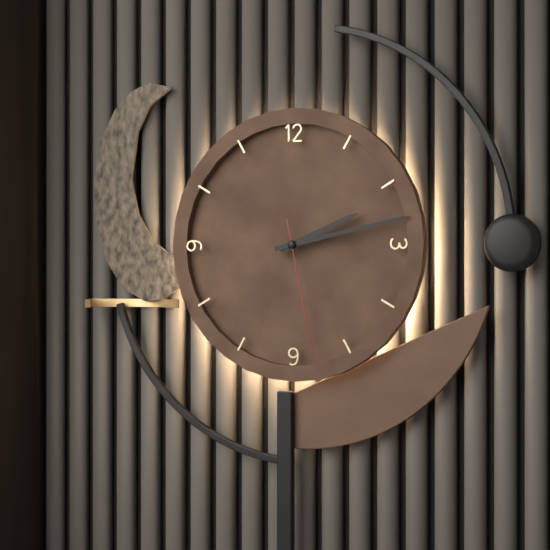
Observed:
2.13.28
